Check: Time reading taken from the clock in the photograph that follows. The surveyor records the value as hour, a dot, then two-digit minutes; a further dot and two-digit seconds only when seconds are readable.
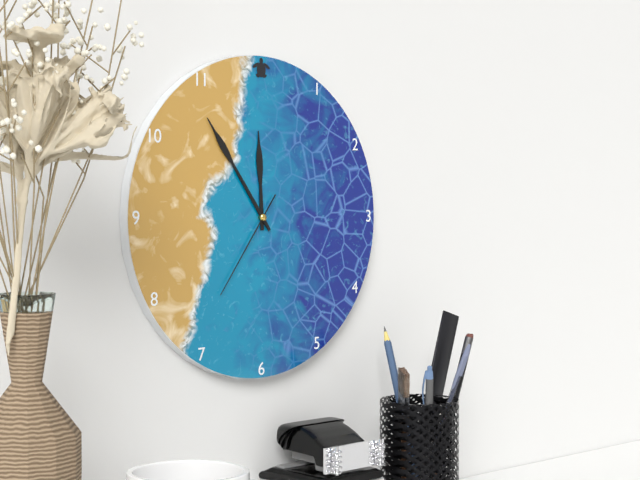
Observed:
11.54.36
